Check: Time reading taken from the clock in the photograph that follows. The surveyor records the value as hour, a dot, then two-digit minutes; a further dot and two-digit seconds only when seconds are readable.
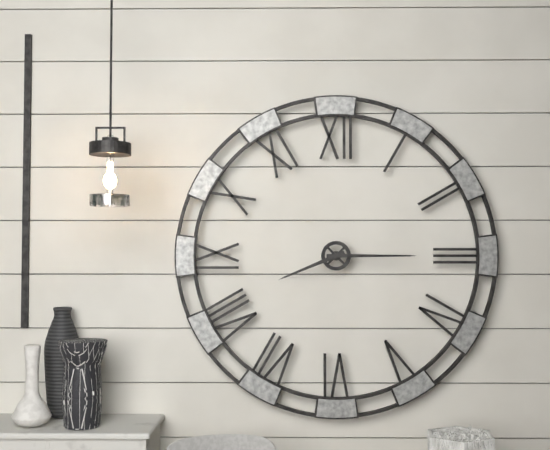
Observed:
8.15
